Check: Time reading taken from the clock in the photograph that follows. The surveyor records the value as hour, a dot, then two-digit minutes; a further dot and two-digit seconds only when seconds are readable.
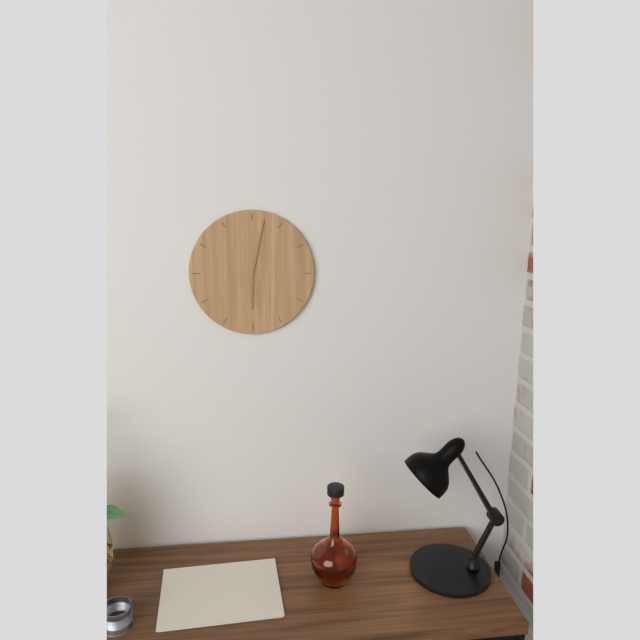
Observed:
6.02
